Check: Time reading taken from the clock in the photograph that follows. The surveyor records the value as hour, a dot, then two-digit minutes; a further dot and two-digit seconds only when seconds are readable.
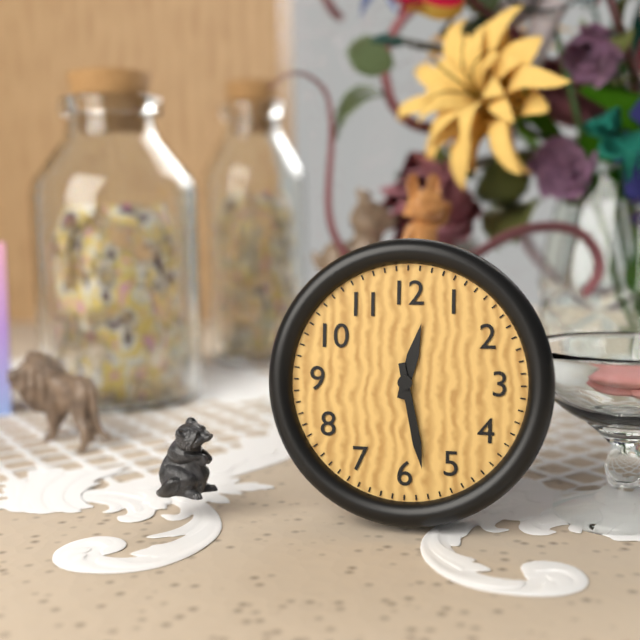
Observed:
12.28
